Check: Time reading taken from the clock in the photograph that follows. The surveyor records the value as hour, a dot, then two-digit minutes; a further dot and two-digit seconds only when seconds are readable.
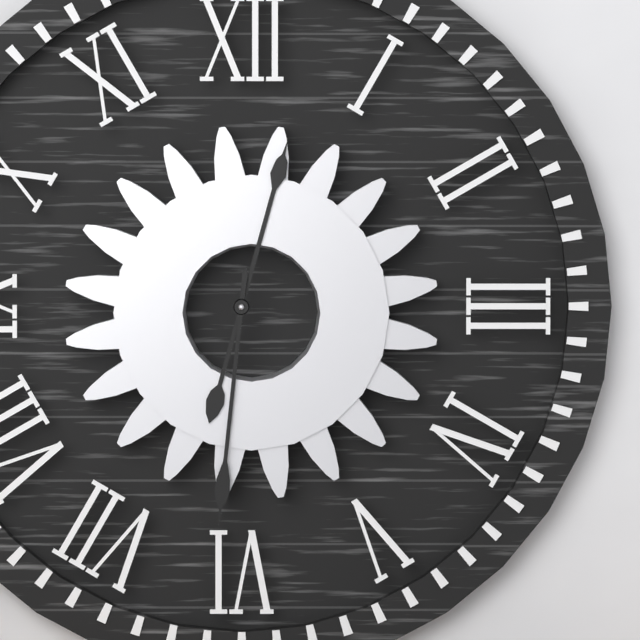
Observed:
12.31
